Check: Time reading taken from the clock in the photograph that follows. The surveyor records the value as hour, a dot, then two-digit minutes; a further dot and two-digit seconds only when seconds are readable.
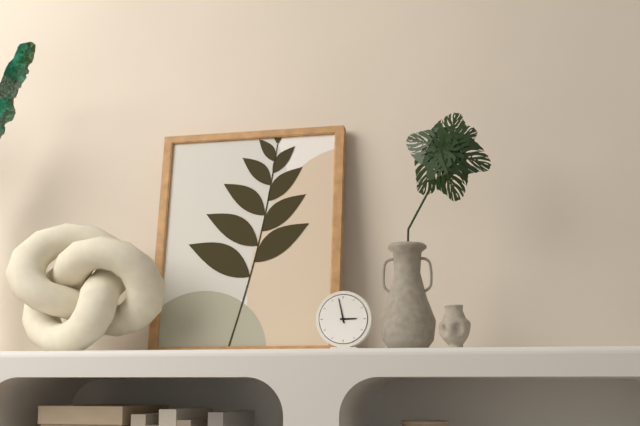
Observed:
2.58
